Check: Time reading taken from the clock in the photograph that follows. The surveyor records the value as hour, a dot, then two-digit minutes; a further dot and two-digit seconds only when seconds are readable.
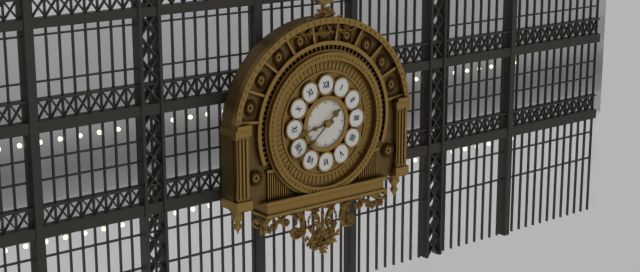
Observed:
8.38
